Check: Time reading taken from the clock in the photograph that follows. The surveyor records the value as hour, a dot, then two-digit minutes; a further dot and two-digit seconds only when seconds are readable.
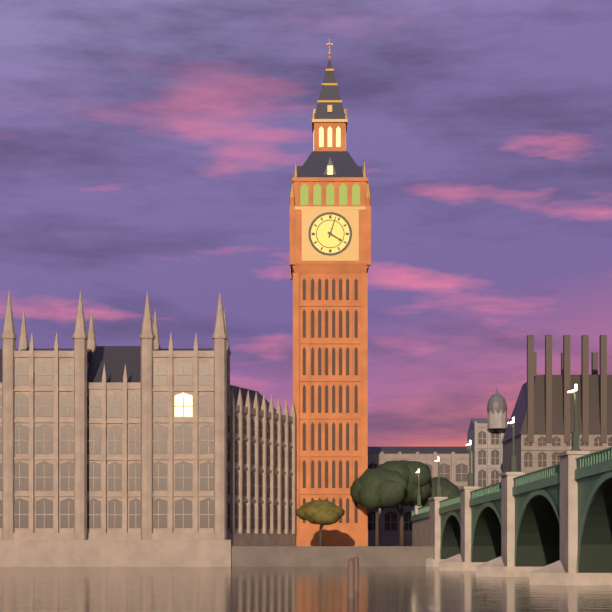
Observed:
4.03
